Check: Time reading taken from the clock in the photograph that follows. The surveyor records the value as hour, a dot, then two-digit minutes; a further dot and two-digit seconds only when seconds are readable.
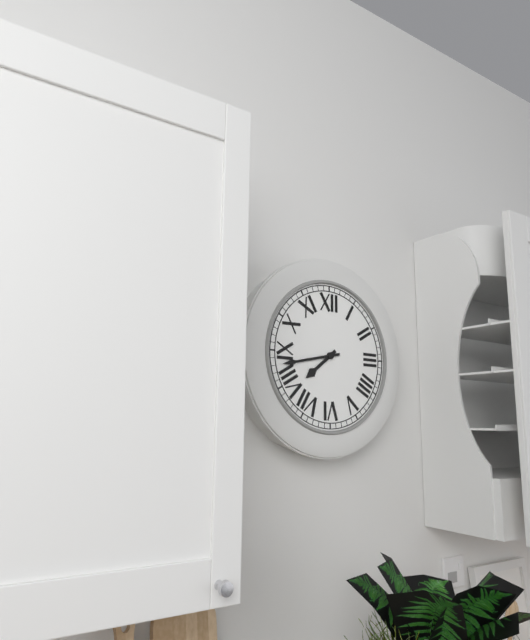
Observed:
7.43
